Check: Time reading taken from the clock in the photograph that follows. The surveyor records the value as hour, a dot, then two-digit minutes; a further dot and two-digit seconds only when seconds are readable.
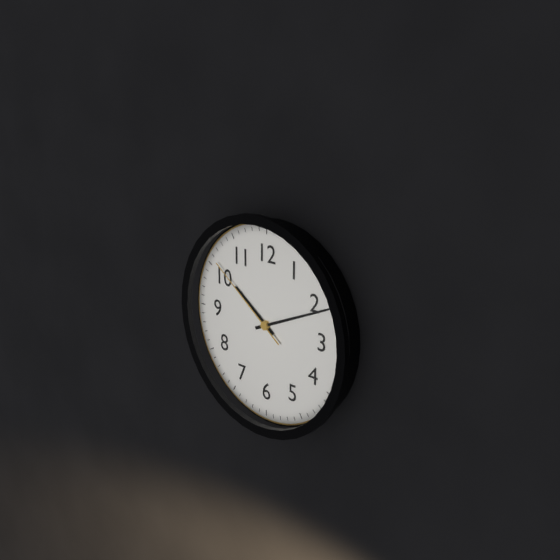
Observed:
10.11.51
